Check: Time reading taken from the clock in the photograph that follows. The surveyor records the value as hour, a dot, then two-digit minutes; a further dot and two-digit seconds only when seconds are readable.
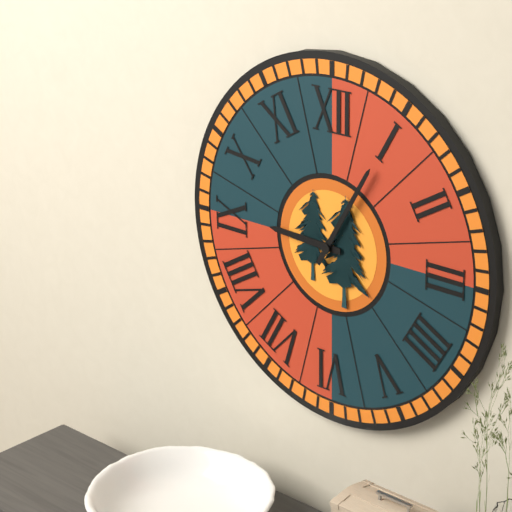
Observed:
9.05
